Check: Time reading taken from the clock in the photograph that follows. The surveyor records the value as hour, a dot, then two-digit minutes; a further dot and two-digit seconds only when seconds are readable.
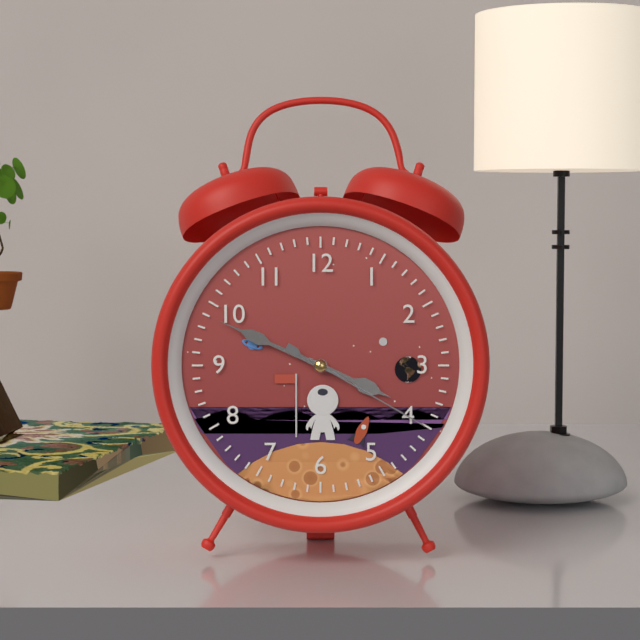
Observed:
3.49.20
